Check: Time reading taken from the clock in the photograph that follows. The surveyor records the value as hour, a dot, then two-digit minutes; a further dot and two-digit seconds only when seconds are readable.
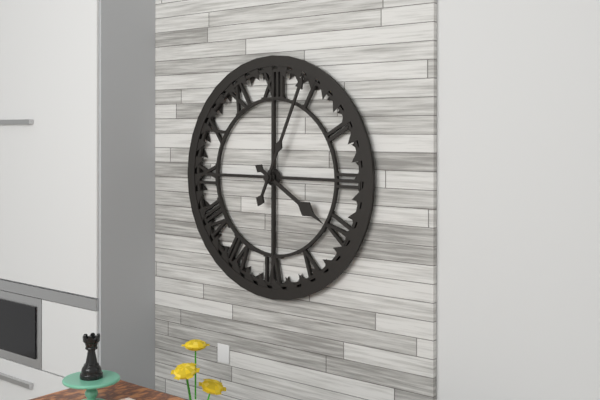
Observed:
4.04
